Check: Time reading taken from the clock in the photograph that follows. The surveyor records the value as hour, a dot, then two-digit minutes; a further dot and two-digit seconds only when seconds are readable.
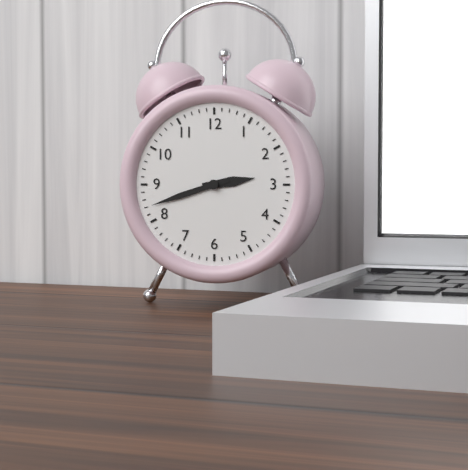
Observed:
2.42
